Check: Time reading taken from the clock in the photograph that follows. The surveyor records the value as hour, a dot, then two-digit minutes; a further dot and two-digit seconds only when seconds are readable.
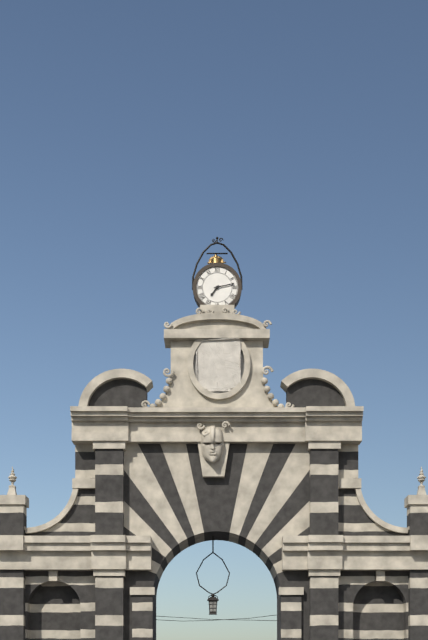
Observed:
7.13
